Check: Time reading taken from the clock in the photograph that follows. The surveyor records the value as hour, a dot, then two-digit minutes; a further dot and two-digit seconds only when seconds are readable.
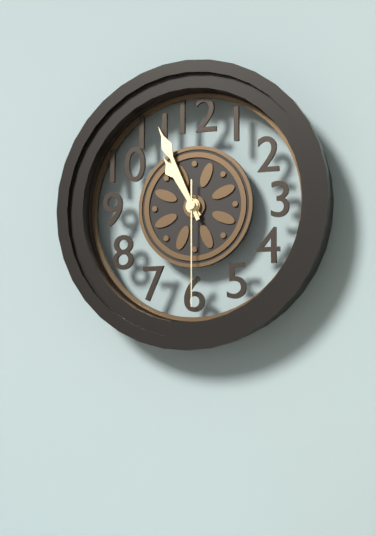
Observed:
10.56.30
